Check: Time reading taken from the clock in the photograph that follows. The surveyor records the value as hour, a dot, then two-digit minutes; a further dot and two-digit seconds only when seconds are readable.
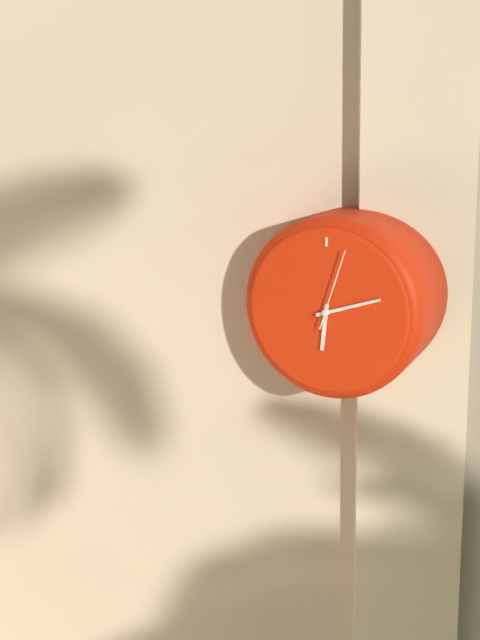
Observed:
6.12.03
